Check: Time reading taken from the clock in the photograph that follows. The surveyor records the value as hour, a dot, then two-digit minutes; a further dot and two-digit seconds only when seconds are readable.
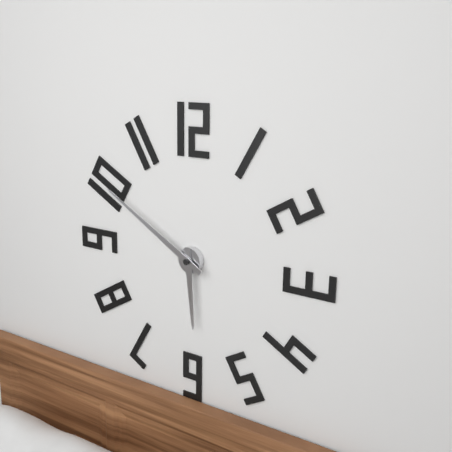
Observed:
5.50
